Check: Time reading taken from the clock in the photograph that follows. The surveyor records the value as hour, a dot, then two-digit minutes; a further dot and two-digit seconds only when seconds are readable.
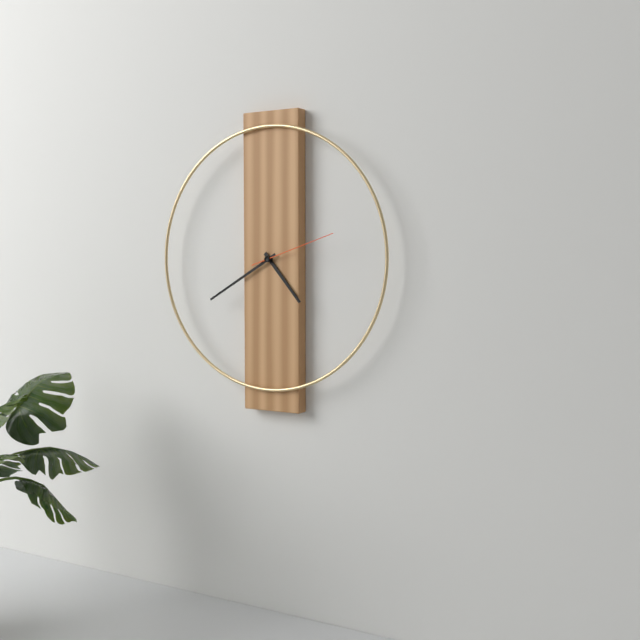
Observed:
4.40.12
